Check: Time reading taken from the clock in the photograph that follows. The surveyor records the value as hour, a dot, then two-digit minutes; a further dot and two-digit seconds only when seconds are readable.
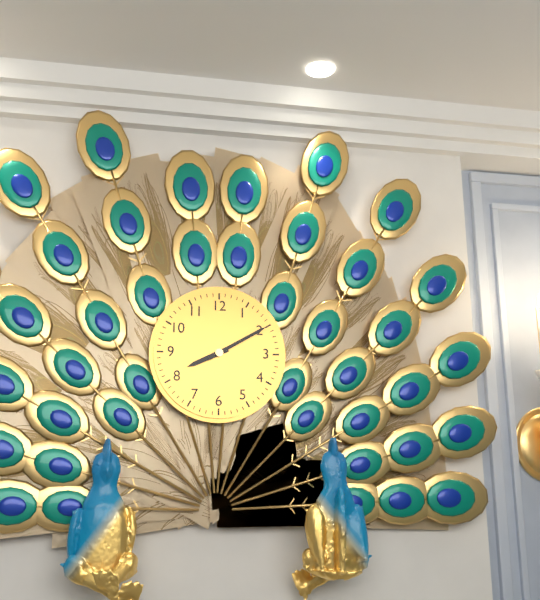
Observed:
8.10
